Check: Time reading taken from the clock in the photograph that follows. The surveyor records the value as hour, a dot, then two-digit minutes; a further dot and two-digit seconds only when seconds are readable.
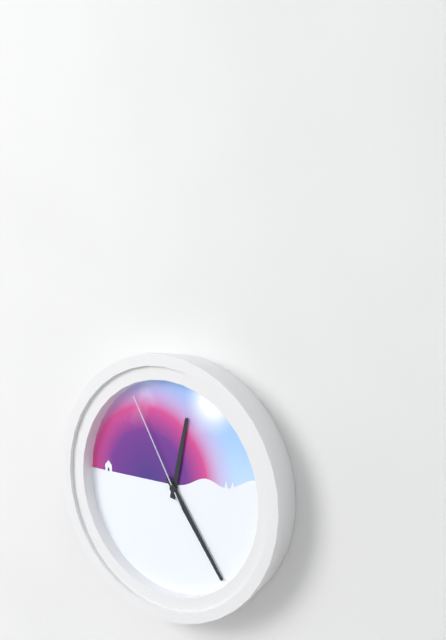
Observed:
12.24.55
